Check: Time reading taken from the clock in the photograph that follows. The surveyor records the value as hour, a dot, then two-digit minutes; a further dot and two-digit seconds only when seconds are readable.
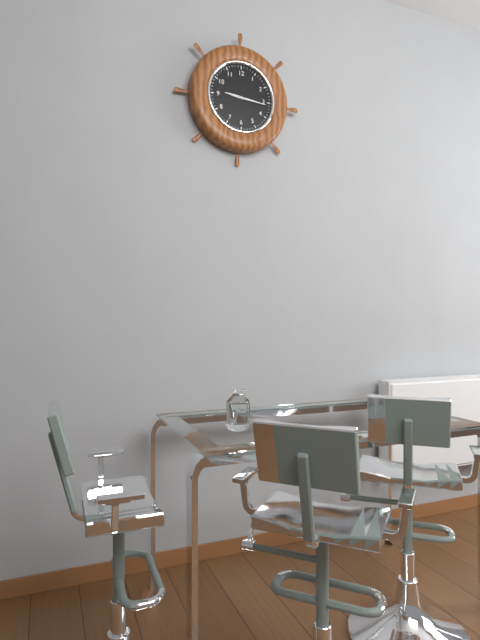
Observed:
9.16
